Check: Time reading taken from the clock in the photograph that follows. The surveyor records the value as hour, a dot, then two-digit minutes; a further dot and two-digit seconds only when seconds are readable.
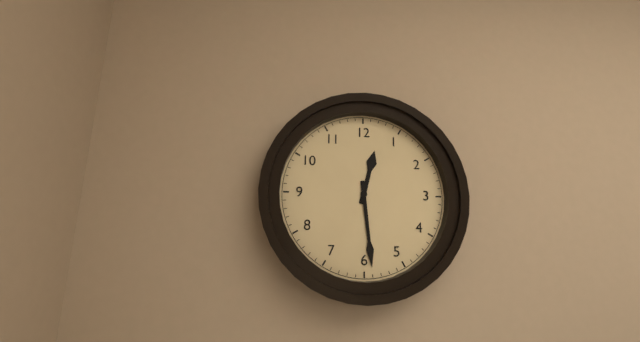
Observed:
12.29
